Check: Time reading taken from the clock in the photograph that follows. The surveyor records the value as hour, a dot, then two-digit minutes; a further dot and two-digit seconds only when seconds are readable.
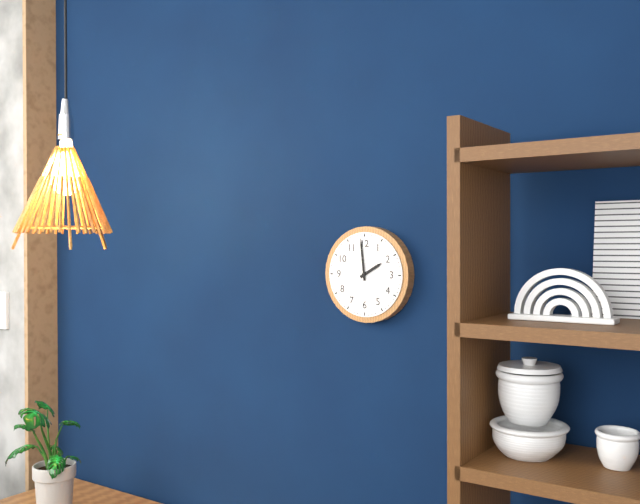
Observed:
1.59
